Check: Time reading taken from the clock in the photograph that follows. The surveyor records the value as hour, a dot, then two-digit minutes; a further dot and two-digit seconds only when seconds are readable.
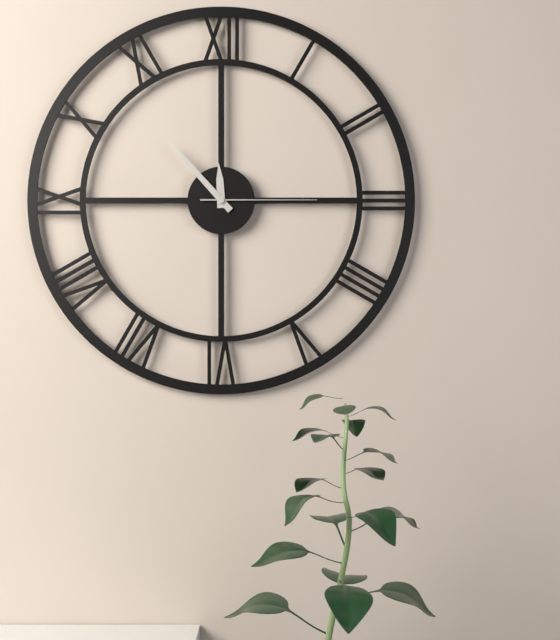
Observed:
11.53.15
